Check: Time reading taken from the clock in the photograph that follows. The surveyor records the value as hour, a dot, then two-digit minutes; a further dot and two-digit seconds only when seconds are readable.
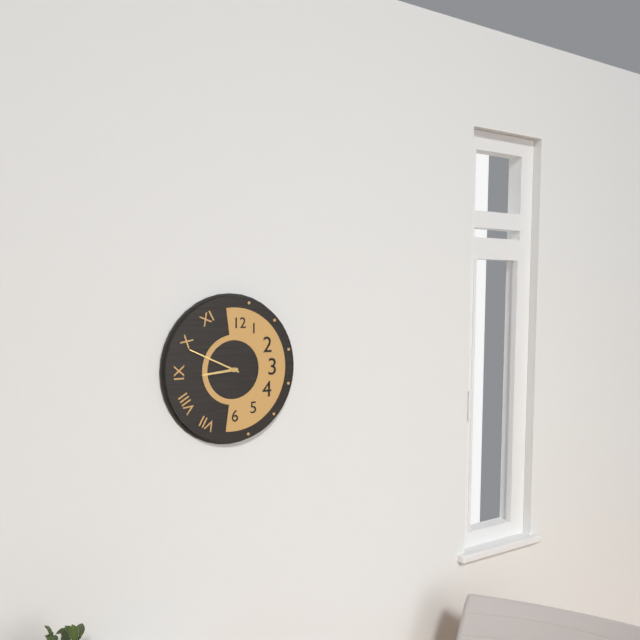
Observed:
8.49
